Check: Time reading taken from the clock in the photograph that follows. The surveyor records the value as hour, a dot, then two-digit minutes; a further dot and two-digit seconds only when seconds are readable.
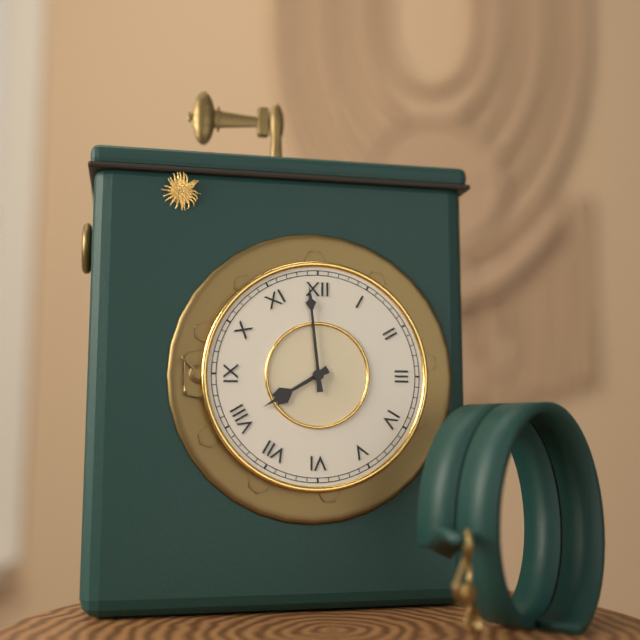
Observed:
7.59
